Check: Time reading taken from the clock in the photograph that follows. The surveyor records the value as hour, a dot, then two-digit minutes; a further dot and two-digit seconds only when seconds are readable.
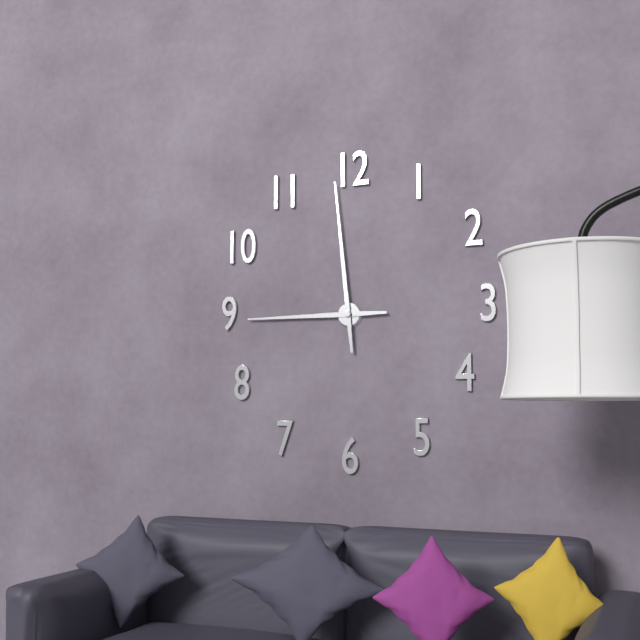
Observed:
8.59
